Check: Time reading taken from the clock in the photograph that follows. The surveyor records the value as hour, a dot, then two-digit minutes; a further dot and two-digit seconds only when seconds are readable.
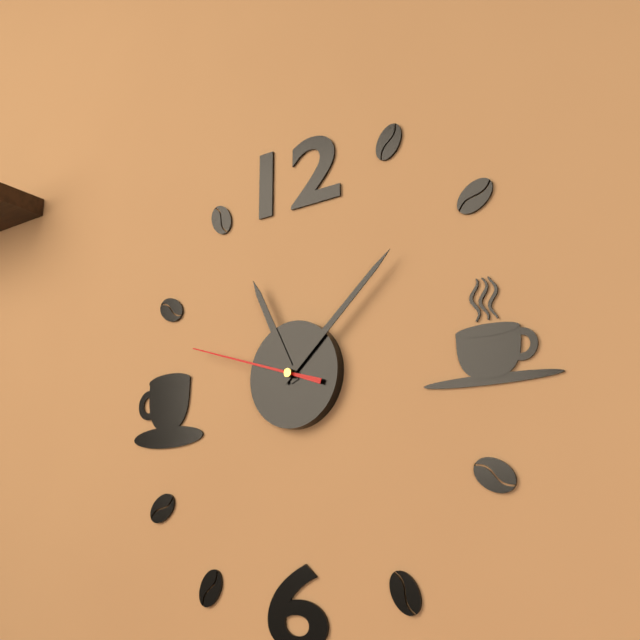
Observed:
11.08.48
